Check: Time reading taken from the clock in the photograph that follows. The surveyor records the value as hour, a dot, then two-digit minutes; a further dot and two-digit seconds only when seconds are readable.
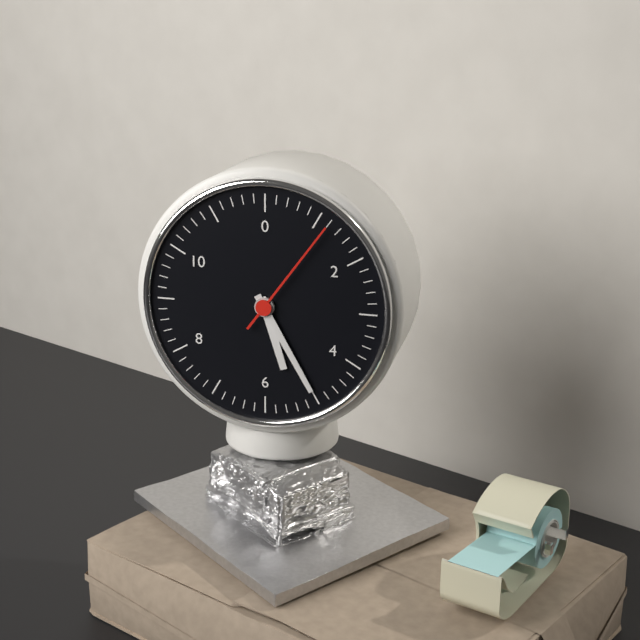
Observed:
5.25.06
